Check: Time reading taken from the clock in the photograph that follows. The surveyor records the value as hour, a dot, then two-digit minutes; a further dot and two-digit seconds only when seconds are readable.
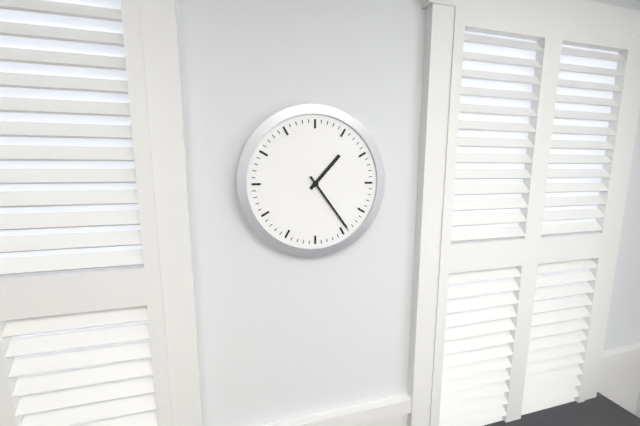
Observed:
1.24
